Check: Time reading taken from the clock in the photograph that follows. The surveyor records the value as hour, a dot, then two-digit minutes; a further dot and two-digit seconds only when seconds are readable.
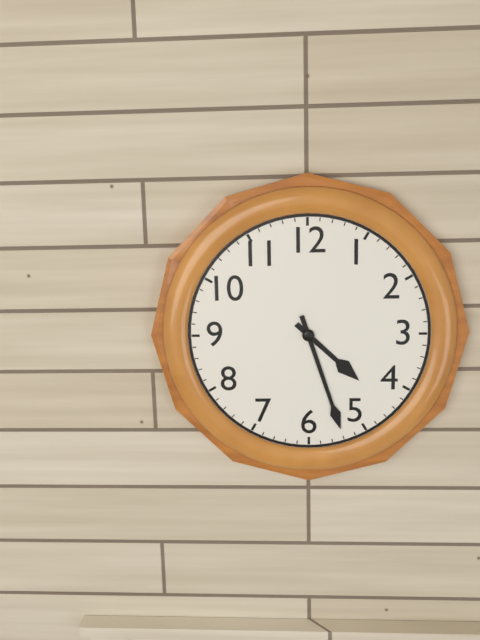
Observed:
4.27
